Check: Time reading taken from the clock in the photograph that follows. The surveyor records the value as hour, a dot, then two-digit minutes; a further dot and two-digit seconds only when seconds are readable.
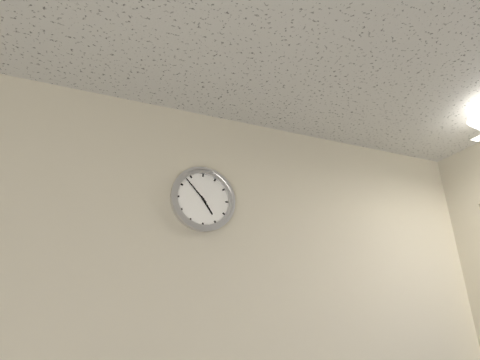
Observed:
4.53
